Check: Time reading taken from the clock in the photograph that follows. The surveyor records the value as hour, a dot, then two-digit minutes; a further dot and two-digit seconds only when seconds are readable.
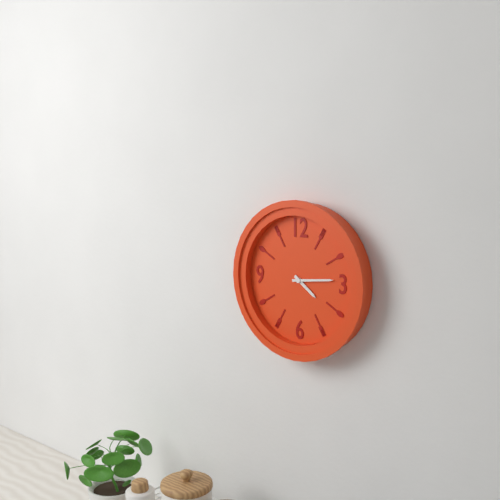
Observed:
4.14
